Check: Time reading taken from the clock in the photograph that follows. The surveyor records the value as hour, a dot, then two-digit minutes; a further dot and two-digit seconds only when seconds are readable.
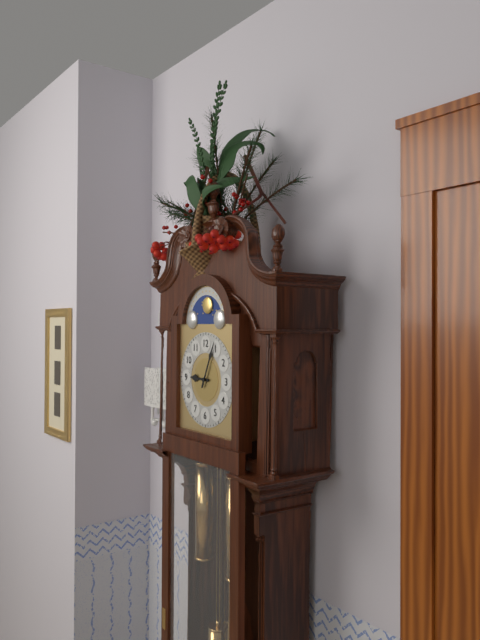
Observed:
9.04
